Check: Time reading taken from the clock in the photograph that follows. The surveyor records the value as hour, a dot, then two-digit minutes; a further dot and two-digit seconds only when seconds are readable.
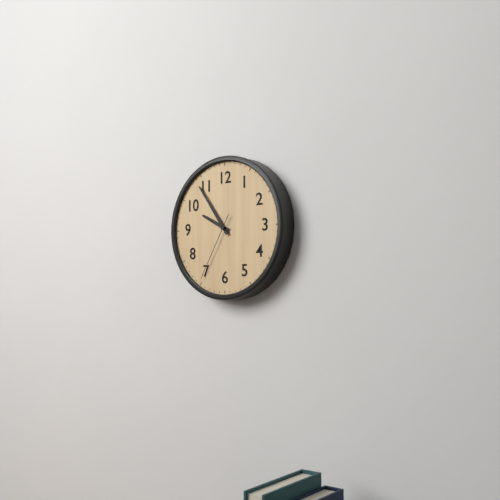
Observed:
9.54.35
